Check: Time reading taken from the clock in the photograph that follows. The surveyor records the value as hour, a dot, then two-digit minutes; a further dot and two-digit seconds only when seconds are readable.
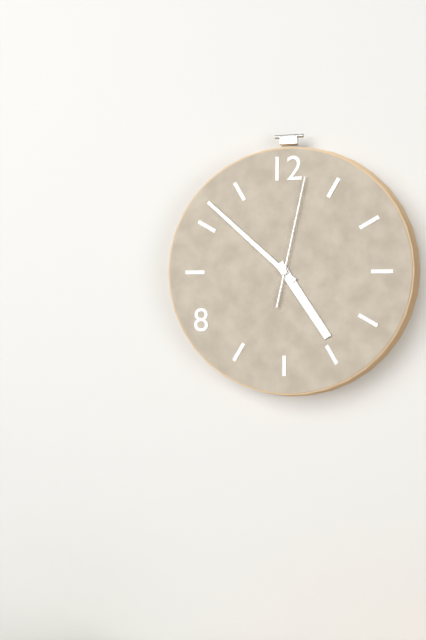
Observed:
4.52.02
